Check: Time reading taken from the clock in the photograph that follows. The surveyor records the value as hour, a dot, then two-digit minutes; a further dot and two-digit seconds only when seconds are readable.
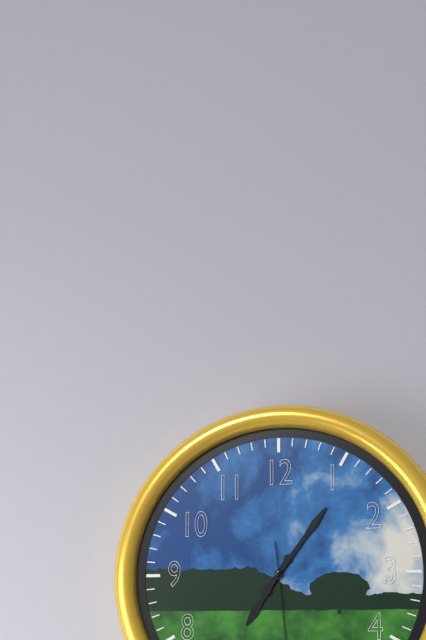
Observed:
7.06
